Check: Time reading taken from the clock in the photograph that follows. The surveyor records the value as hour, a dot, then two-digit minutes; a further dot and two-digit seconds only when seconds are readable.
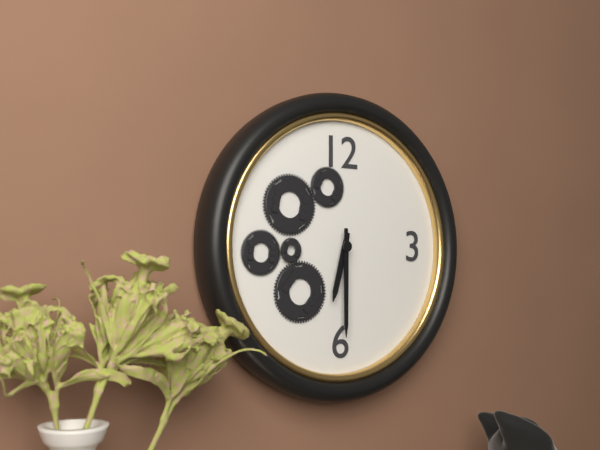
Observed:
6.30
